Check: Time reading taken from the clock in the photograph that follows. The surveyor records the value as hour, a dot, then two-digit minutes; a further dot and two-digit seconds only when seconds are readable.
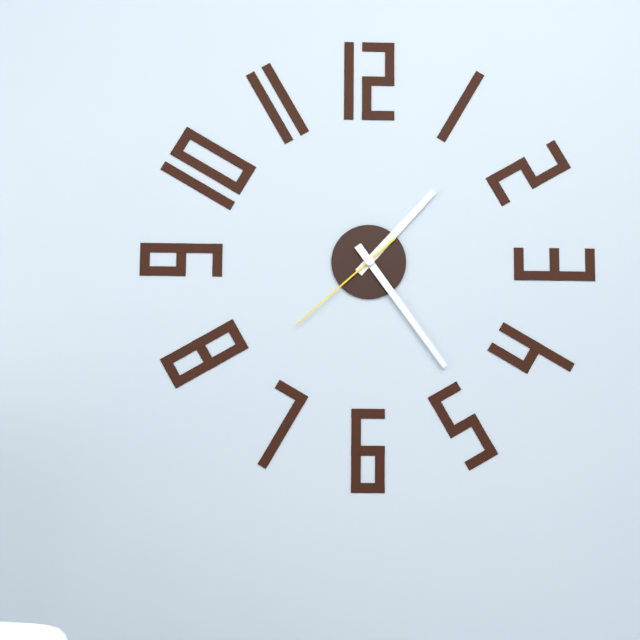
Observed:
1.24.38
